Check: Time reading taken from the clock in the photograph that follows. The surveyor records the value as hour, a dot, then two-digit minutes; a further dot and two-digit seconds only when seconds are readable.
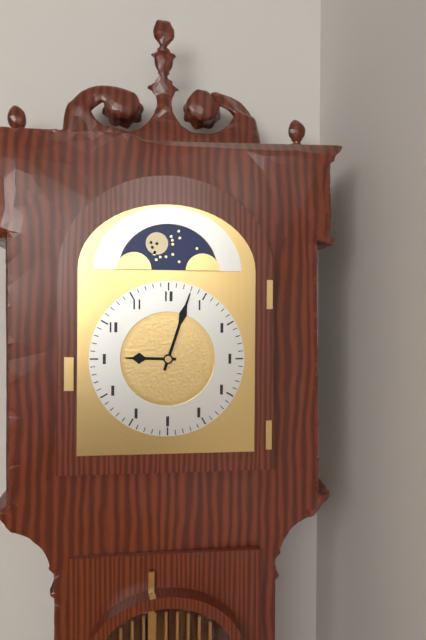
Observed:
9.03
